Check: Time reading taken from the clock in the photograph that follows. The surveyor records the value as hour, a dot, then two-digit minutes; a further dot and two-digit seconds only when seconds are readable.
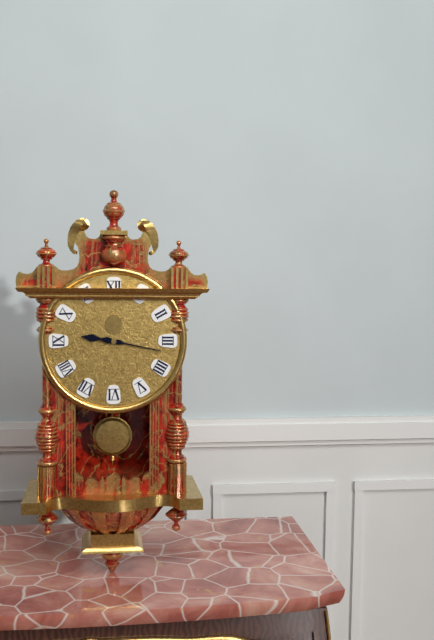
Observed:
9.17
